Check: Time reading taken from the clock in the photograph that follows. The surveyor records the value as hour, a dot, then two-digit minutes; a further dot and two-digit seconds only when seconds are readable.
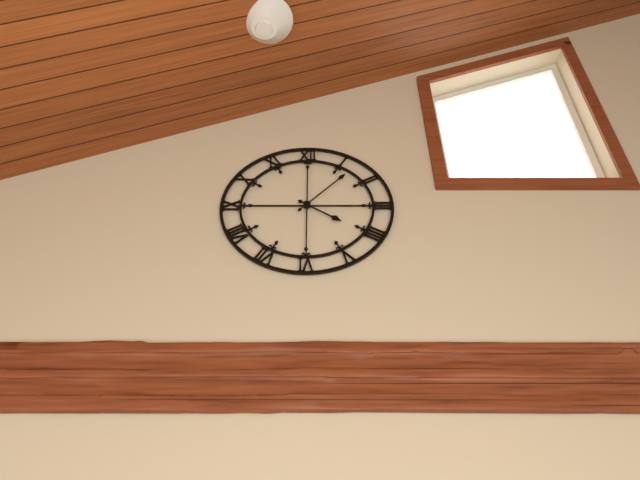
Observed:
4.07
